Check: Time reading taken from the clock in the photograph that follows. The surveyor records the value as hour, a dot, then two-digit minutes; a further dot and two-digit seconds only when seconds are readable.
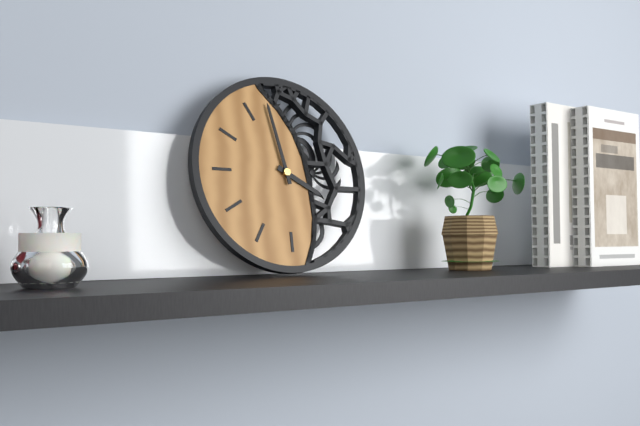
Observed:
3.58
